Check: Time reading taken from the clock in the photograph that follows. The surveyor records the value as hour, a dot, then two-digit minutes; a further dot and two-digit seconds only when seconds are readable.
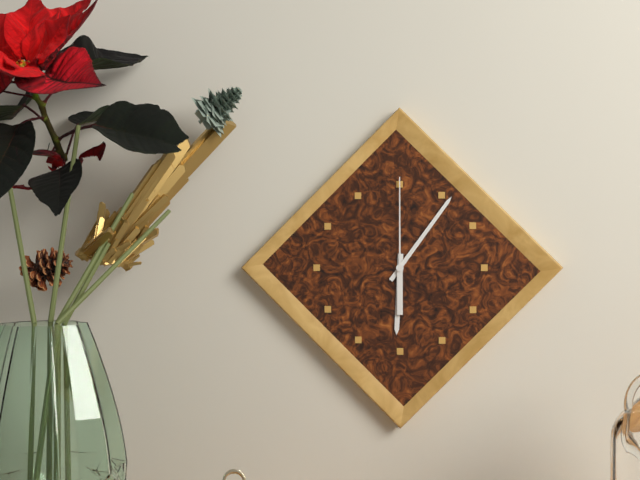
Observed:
6.06.00
